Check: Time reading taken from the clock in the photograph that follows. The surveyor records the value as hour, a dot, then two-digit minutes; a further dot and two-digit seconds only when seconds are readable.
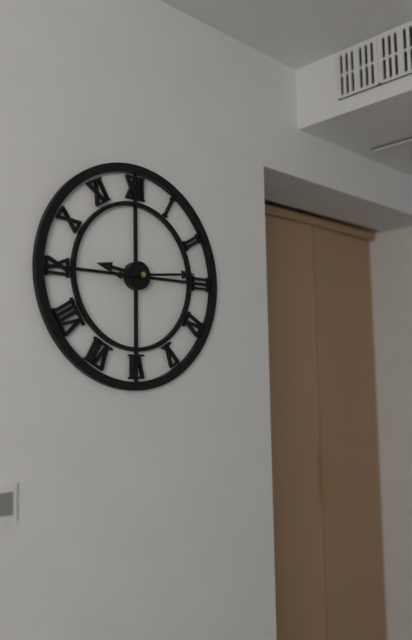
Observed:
9.14
